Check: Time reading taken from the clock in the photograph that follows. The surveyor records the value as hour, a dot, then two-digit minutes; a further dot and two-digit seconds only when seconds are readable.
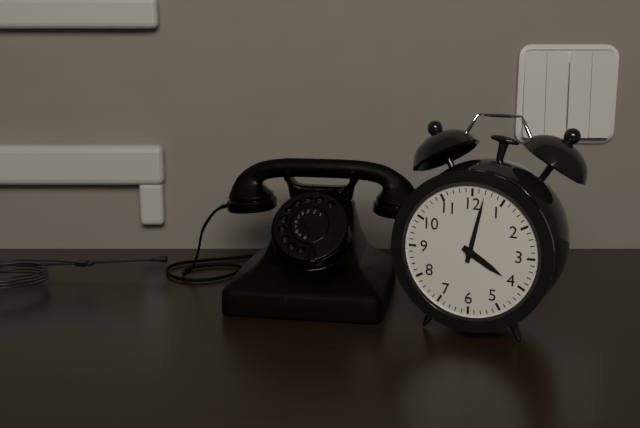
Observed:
4.02
